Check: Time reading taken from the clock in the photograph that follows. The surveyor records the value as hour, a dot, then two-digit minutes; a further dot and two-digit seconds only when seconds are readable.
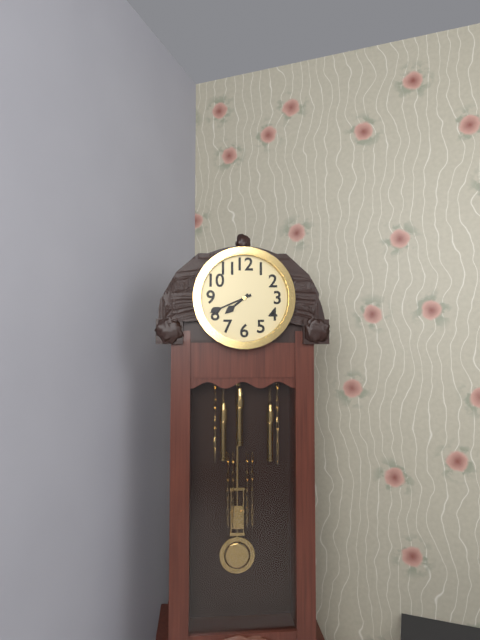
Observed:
7.41
